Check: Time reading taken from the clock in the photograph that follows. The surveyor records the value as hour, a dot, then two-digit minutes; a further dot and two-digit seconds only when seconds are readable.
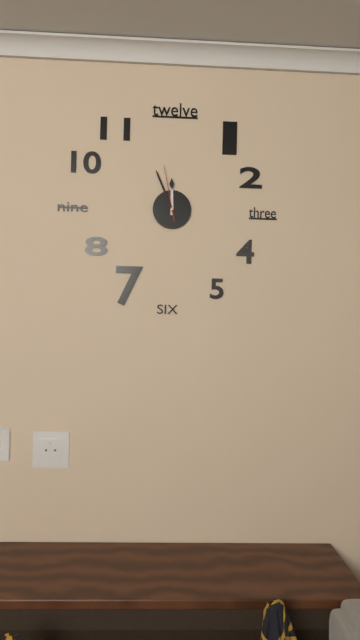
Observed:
11.56.58
